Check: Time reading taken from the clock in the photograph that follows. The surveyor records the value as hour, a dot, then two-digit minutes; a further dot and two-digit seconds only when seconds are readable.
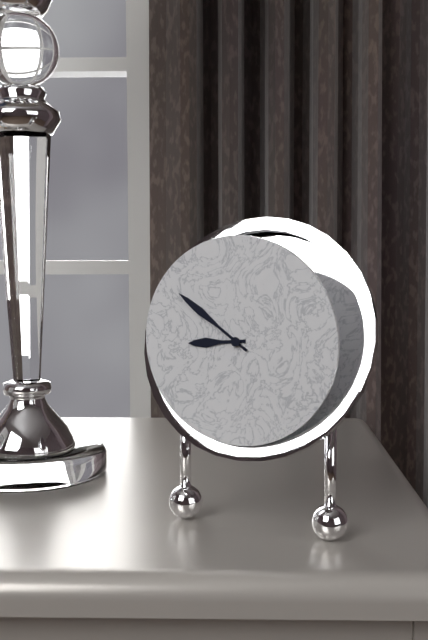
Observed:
8.51
